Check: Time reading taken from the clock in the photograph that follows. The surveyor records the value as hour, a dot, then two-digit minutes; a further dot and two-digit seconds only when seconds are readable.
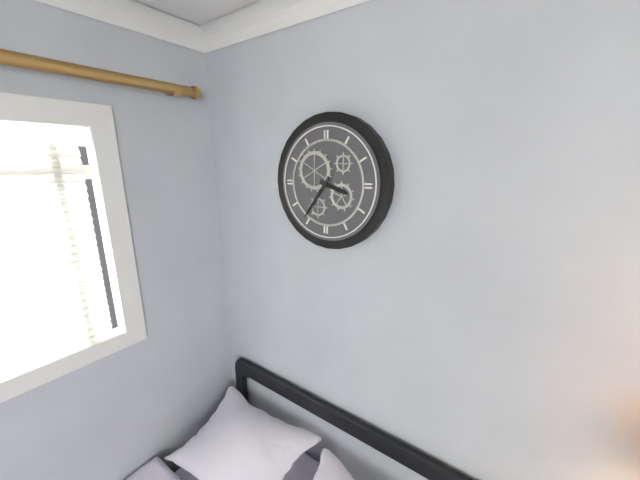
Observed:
3.36
